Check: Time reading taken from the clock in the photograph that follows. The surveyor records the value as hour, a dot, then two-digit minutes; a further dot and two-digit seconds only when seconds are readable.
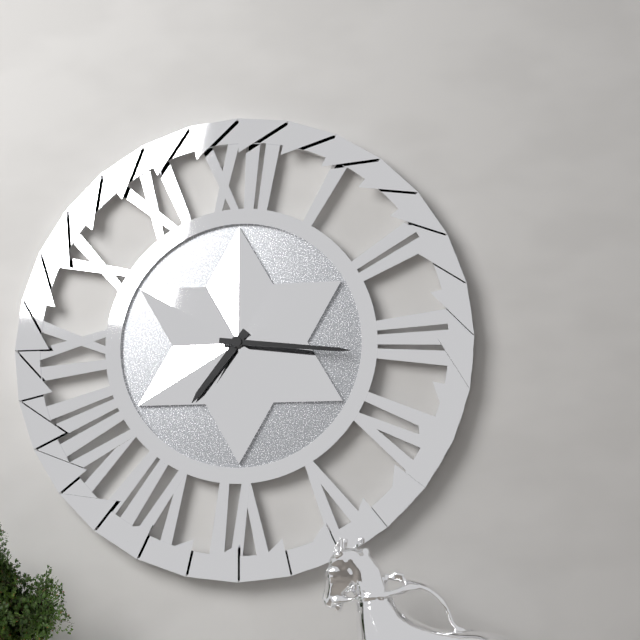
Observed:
7.16
